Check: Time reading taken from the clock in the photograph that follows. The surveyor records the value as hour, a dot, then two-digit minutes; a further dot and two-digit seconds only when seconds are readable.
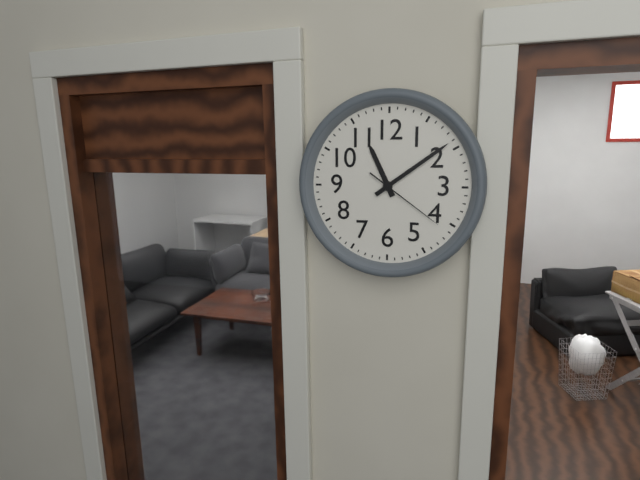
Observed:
11.09.21
